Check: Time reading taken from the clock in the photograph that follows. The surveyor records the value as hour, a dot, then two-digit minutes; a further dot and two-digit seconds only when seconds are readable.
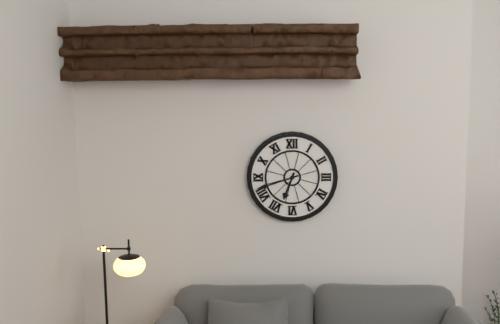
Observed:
6.42
